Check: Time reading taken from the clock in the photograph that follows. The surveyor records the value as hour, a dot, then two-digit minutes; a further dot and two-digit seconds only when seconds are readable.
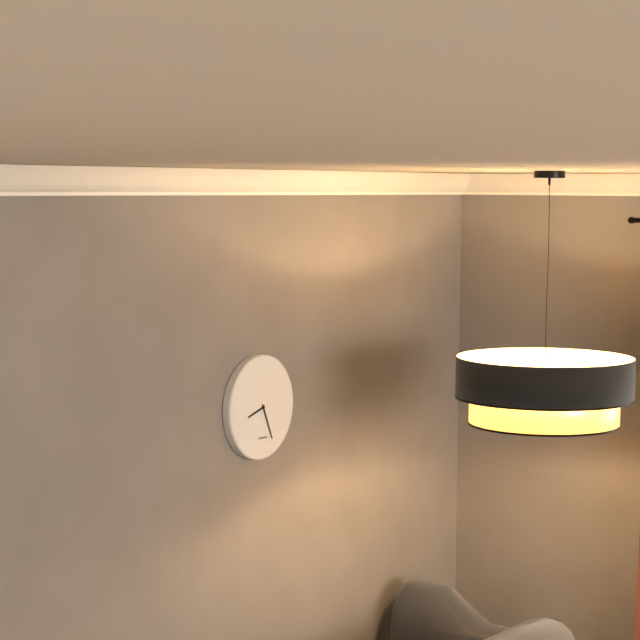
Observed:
8.26
